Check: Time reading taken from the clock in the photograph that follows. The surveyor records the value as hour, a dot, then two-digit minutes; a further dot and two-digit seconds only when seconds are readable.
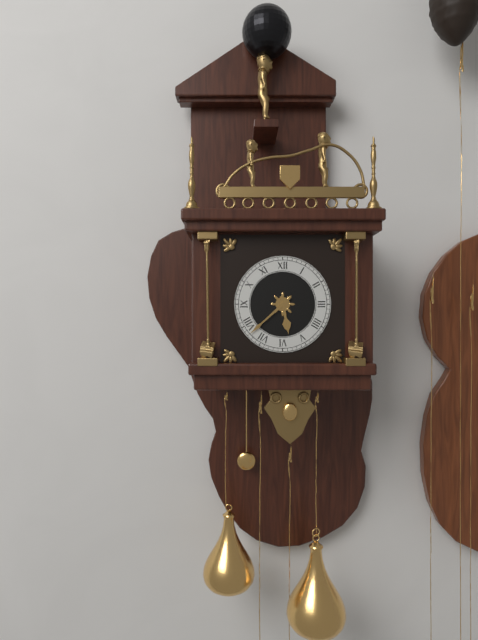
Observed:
5.38
